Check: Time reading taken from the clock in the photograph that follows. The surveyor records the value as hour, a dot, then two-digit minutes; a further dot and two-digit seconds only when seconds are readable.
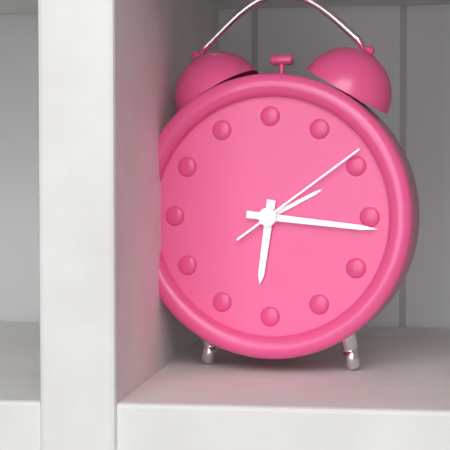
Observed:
6.16.09
